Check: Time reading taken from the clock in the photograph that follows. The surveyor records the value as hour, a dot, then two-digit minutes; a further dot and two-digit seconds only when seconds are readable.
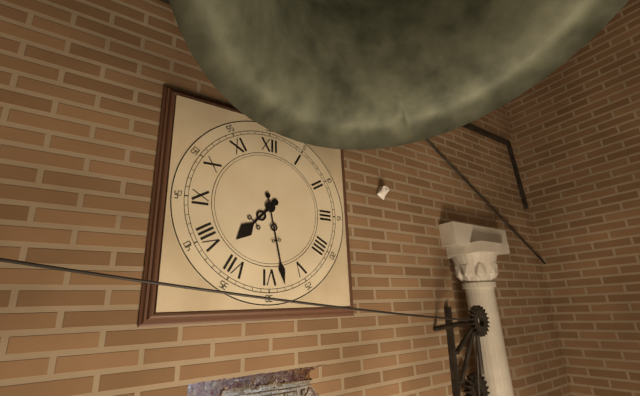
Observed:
7.28
